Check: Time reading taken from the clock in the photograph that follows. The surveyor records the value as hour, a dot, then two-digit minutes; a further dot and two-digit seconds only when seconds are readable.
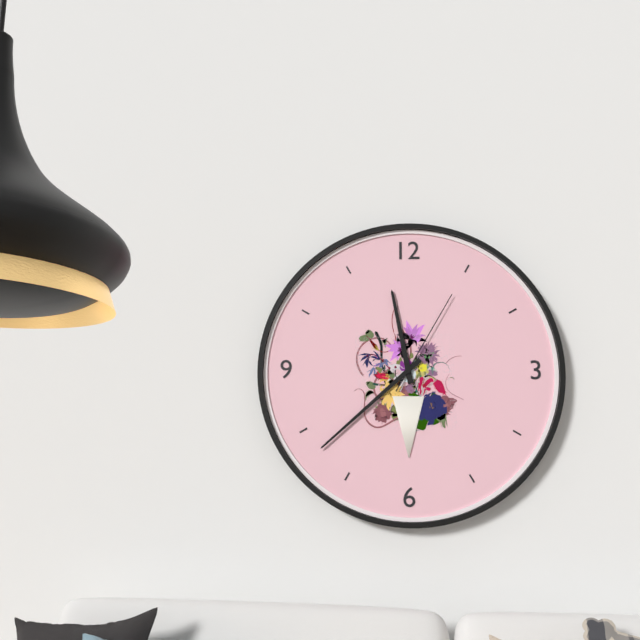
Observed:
11.38.05
